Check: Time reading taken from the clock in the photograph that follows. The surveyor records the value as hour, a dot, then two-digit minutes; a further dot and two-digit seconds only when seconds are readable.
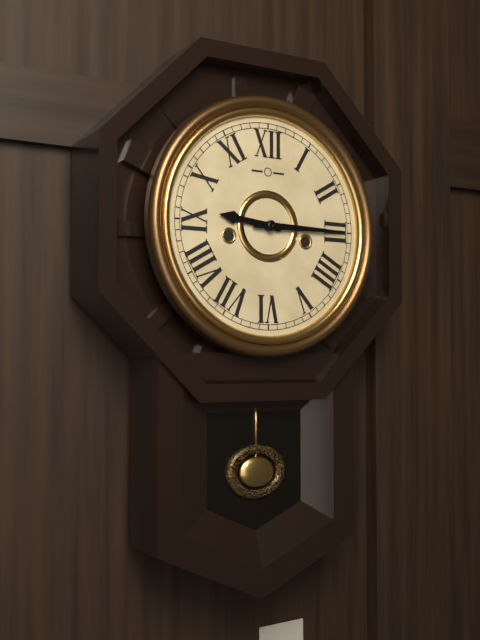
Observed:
9.15
